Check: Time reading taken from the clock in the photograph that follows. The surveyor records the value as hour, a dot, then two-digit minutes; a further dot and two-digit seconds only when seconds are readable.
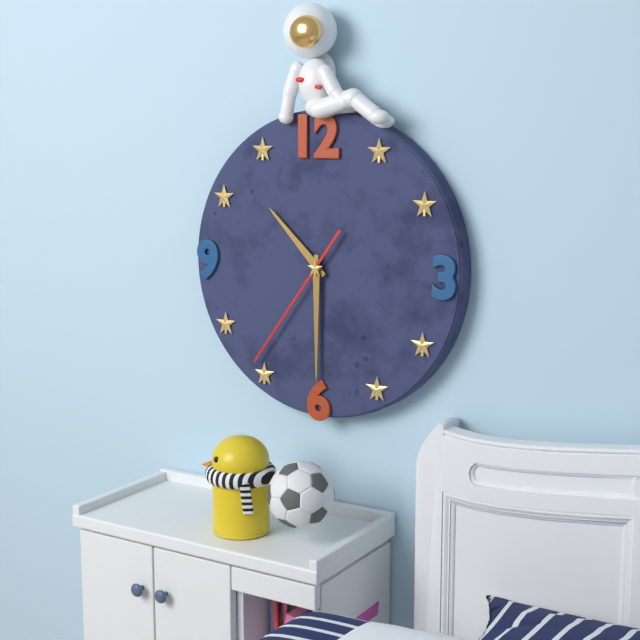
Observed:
10.30.36
